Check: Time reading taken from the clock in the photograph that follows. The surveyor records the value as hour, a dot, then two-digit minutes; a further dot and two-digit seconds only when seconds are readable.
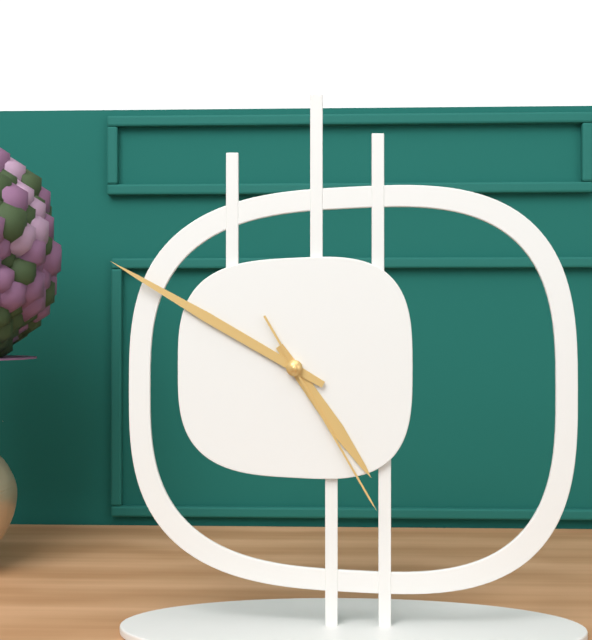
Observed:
4.50.25
